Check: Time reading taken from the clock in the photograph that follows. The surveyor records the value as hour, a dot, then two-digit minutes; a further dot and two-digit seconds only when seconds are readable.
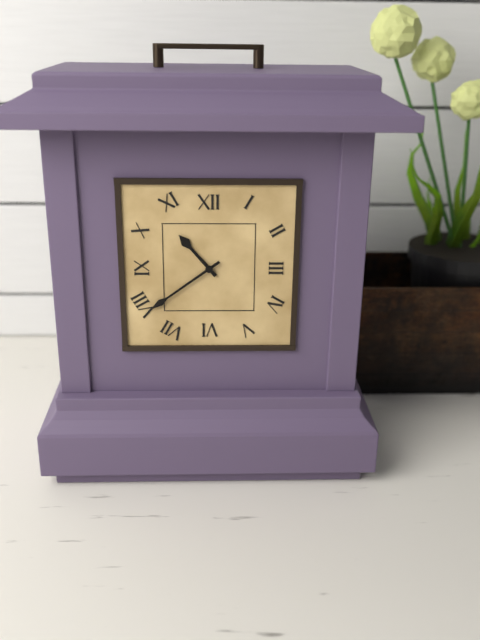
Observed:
10.39
